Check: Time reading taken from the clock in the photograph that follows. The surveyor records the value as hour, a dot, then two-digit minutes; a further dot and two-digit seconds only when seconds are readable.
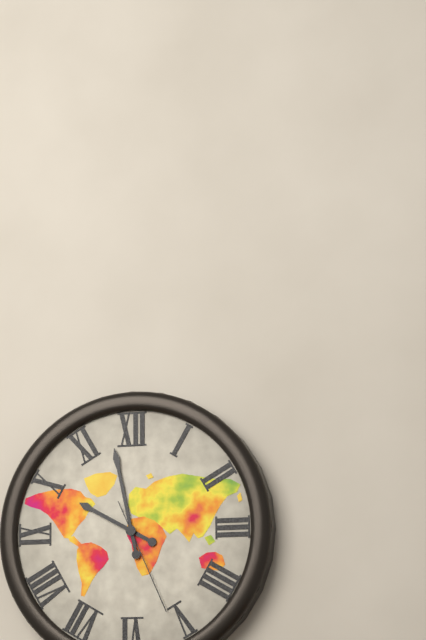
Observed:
9.58.26
